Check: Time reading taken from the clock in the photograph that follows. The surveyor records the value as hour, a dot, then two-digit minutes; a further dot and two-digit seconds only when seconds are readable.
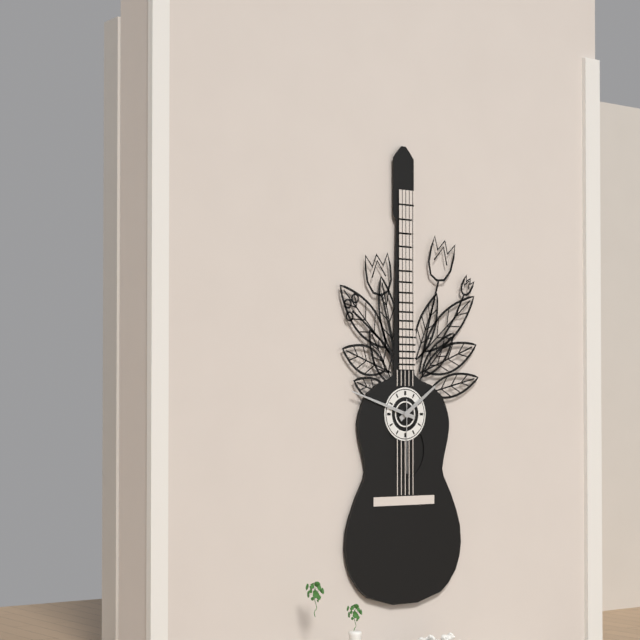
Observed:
1.48.30
